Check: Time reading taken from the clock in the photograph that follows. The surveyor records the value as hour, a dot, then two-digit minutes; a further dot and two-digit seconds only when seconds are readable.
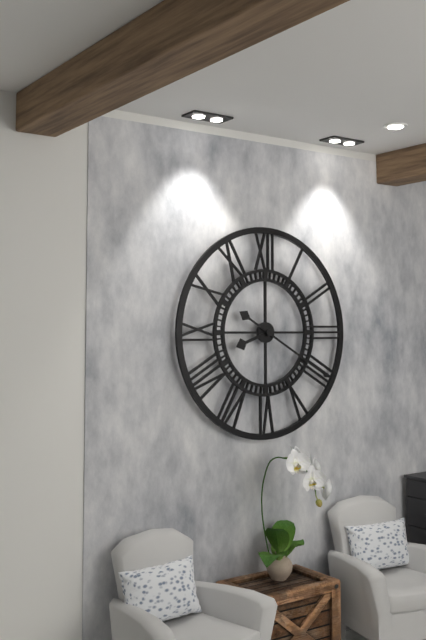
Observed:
8.20
